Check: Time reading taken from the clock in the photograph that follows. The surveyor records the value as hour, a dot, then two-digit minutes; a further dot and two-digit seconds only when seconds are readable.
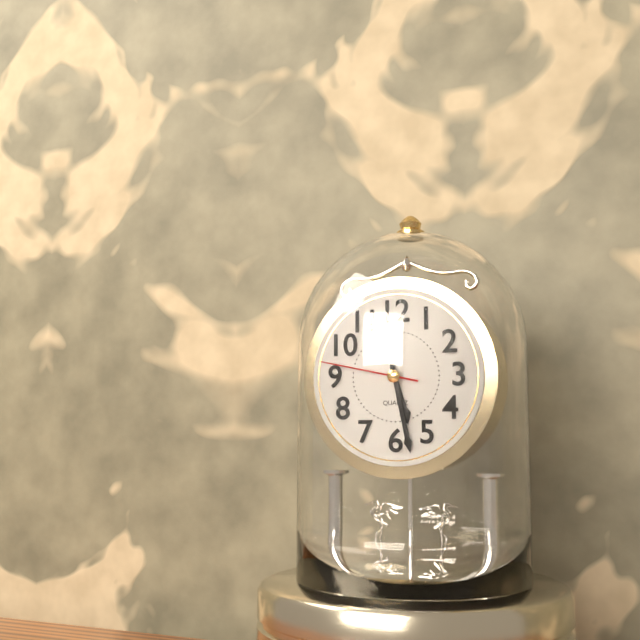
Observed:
5.28.47
